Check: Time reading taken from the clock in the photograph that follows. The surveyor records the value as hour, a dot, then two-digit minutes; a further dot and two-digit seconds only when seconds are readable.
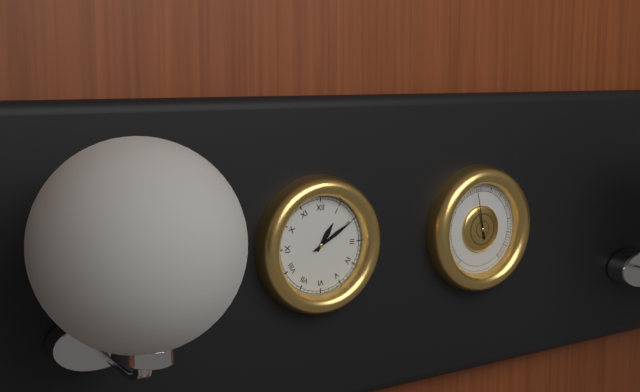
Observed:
1.10
